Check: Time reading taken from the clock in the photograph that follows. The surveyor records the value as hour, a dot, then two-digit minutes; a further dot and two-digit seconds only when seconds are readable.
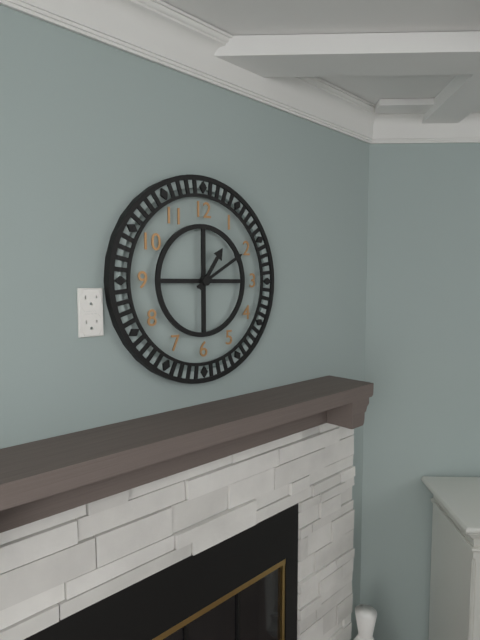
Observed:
1.10
